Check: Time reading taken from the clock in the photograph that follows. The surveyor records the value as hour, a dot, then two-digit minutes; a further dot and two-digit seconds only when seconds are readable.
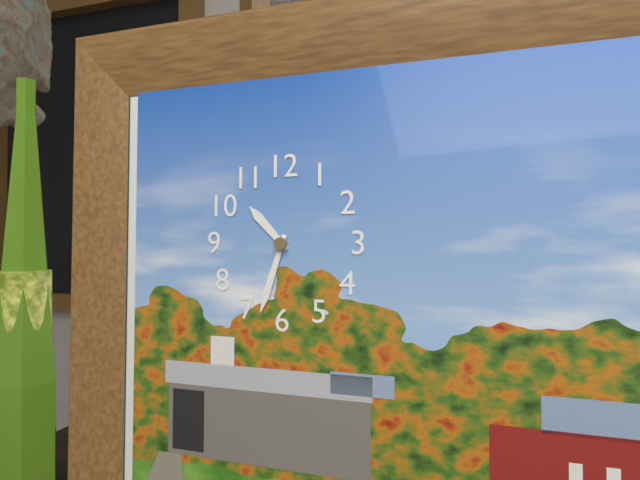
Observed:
10.33
